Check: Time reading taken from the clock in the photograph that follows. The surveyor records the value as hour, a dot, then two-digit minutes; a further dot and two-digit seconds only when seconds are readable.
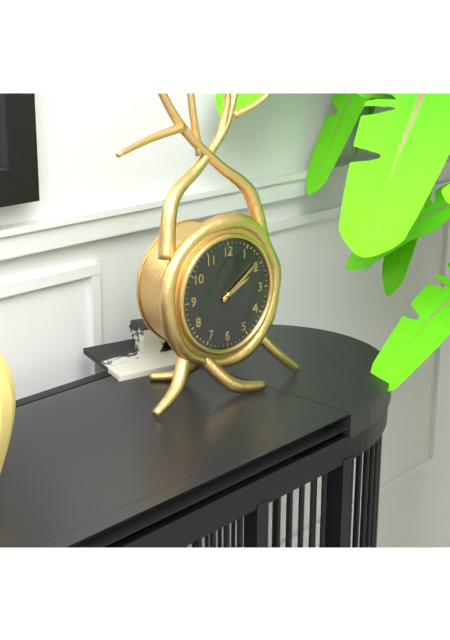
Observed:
2.09
